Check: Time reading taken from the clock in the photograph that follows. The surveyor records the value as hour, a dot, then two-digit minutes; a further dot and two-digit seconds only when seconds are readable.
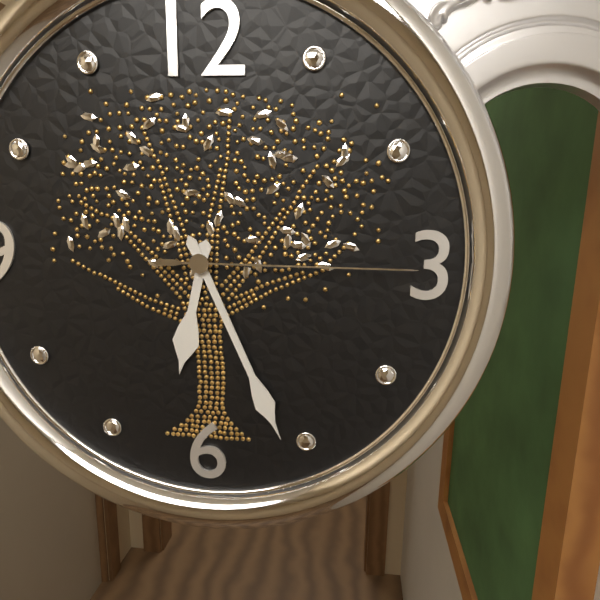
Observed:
6.26.15
